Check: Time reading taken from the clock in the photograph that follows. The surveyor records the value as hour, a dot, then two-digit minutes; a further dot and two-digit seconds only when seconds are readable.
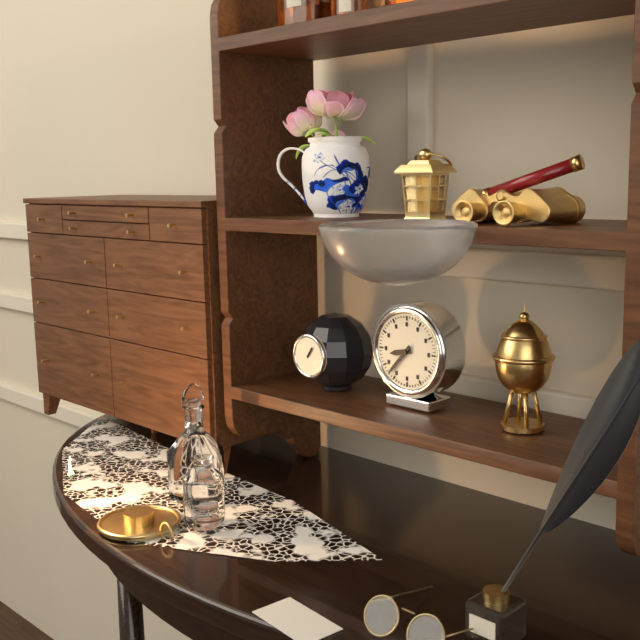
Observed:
8.37
